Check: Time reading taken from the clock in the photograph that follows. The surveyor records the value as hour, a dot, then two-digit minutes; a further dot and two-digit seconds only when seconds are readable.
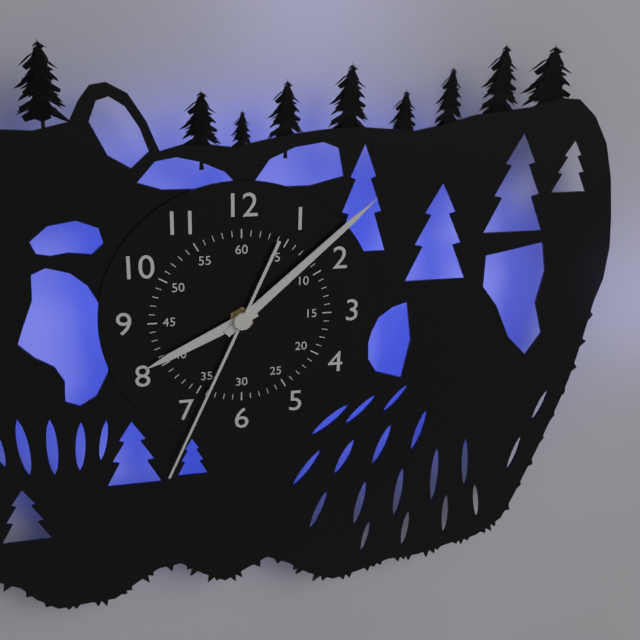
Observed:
8.08.34
